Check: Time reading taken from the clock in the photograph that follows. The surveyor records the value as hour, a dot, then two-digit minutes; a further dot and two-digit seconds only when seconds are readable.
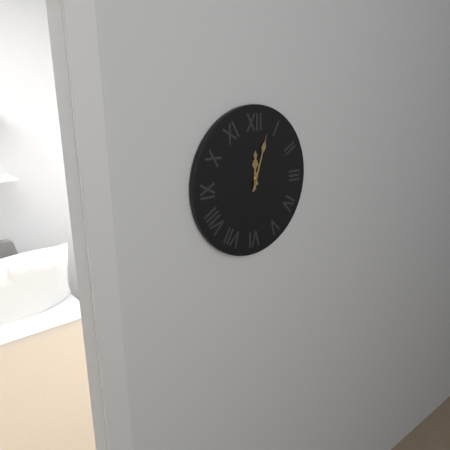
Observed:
12.03
